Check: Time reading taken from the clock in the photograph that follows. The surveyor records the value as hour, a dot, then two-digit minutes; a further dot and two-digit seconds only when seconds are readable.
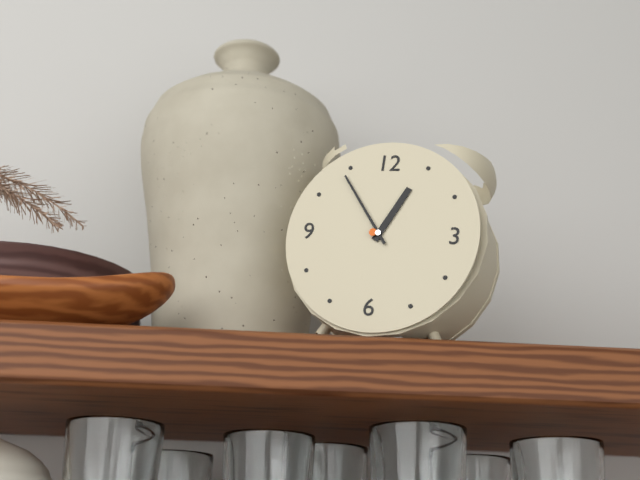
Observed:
12.54
